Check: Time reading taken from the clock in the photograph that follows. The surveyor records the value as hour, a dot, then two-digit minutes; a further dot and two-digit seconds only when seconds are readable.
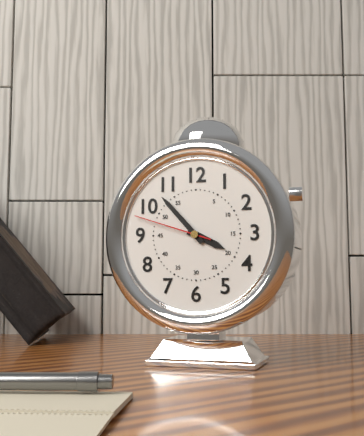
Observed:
3.53.48
